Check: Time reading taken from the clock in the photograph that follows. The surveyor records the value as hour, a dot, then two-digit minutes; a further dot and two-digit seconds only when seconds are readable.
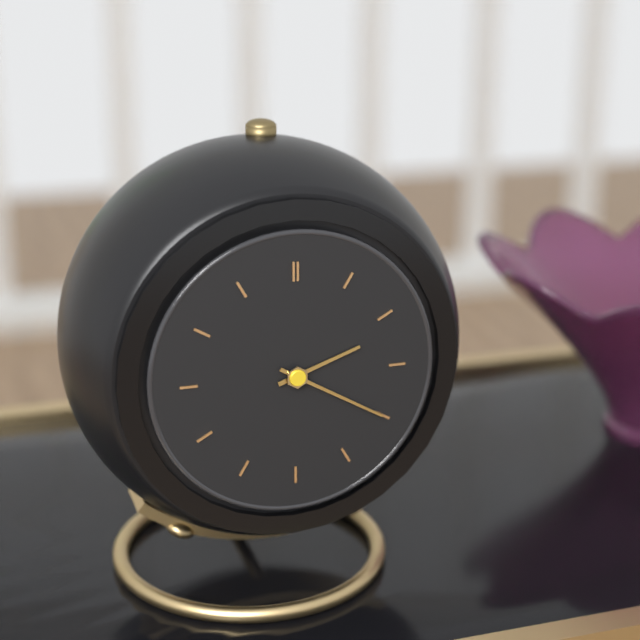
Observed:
2.20
